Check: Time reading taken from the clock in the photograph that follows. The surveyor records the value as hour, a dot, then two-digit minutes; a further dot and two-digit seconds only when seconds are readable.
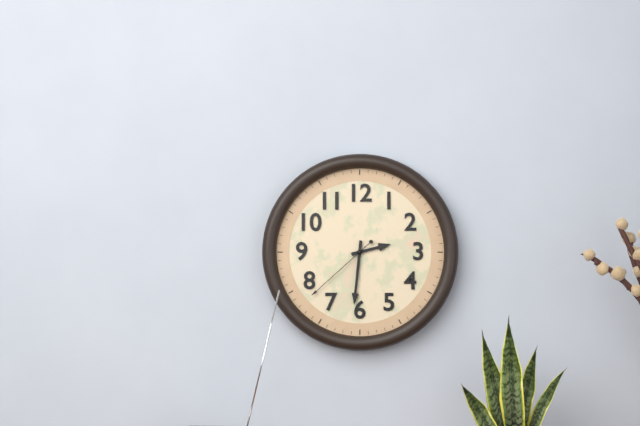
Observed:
2.31.38
